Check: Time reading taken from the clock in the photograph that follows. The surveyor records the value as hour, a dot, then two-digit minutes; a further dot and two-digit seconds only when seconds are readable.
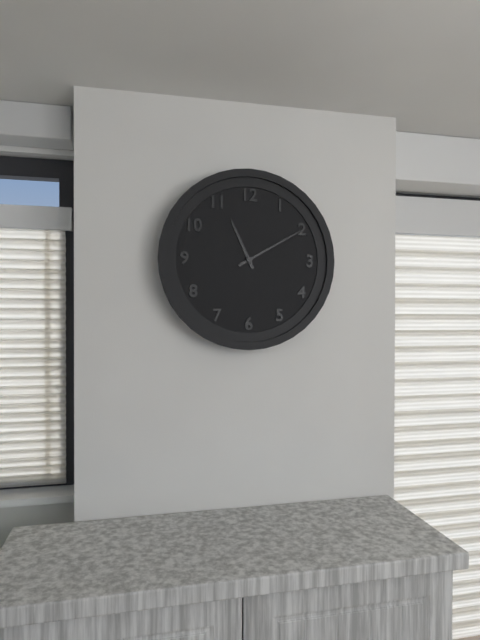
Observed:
11.10
